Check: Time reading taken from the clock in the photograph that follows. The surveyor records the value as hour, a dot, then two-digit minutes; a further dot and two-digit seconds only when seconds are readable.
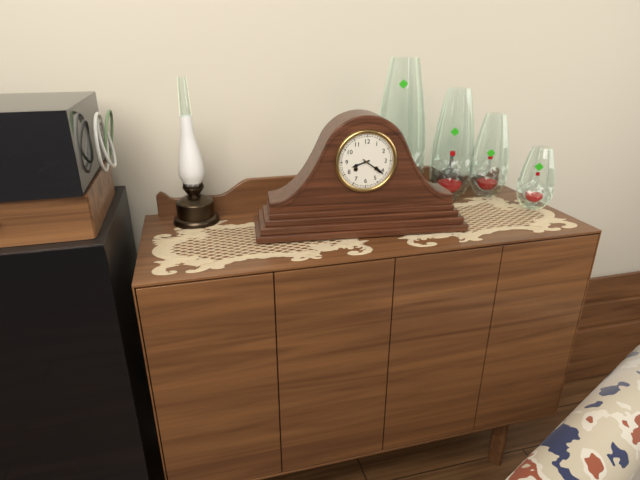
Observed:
8.21
